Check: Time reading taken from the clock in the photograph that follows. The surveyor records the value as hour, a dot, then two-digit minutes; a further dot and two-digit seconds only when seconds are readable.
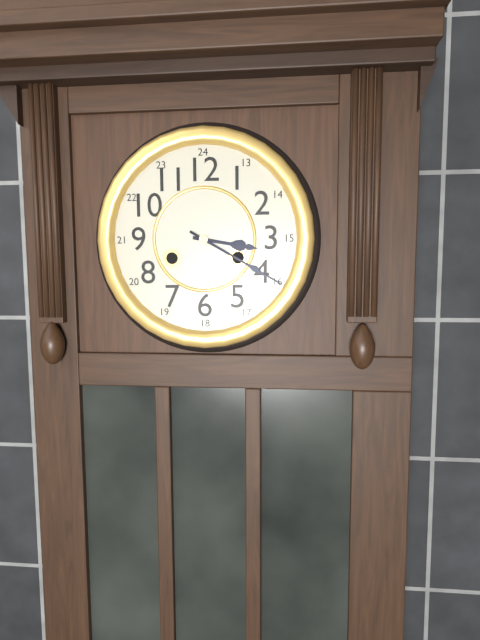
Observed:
3.20
